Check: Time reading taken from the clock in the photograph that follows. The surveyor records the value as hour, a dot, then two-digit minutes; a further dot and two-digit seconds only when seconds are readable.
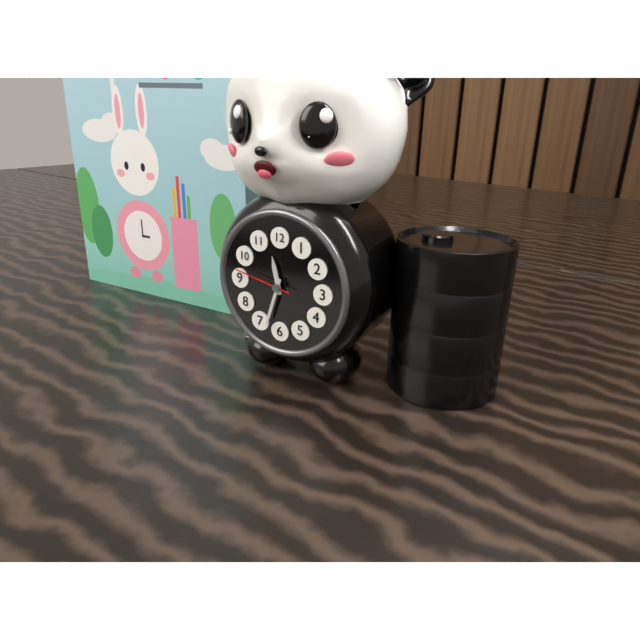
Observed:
11.33.47
